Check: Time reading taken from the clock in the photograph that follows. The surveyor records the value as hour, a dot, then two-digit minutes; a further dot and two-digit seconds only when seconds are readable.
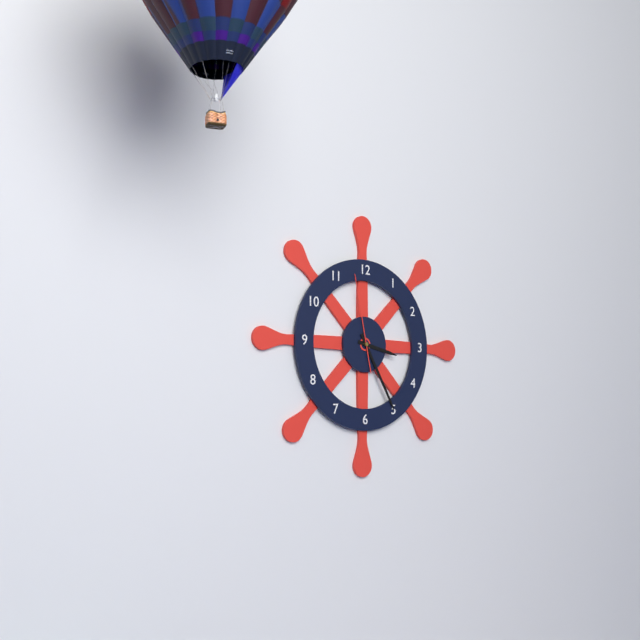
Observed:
3.25.58
